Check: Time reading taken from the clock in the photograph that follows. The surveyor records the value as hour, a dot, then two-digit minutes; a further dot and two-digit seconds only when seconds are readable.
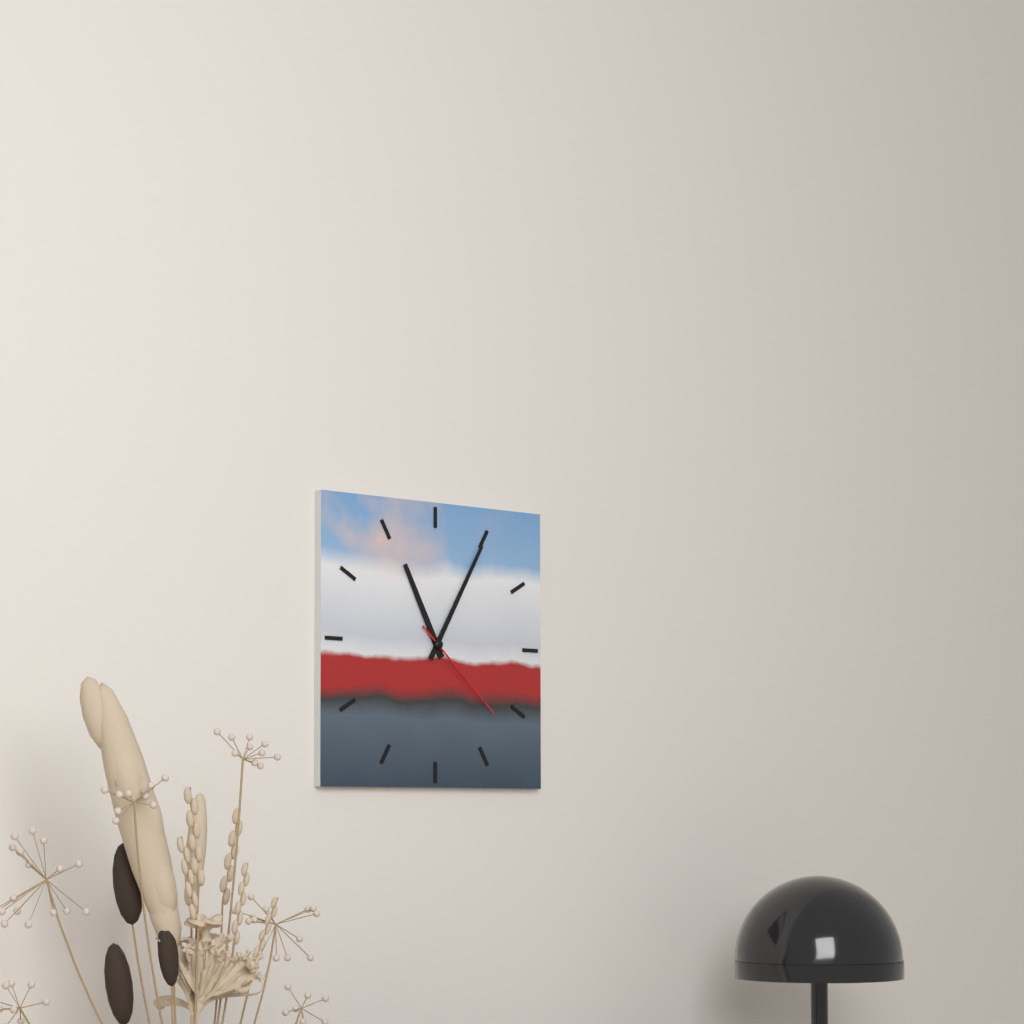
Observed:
11.05.22
